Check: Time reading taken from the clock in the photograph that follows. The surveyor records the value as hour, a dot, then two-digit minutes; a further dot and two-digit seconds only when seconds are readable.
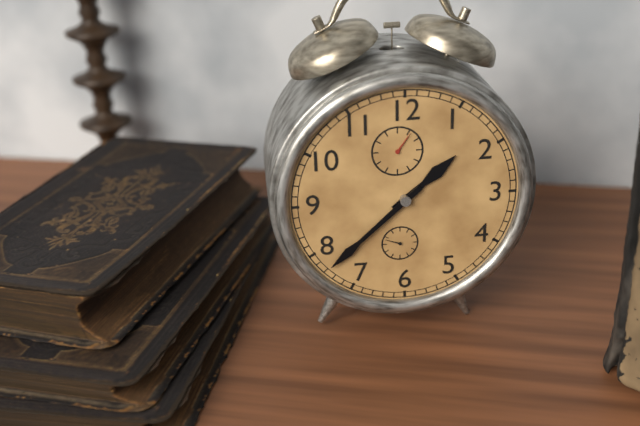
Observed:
1.38
